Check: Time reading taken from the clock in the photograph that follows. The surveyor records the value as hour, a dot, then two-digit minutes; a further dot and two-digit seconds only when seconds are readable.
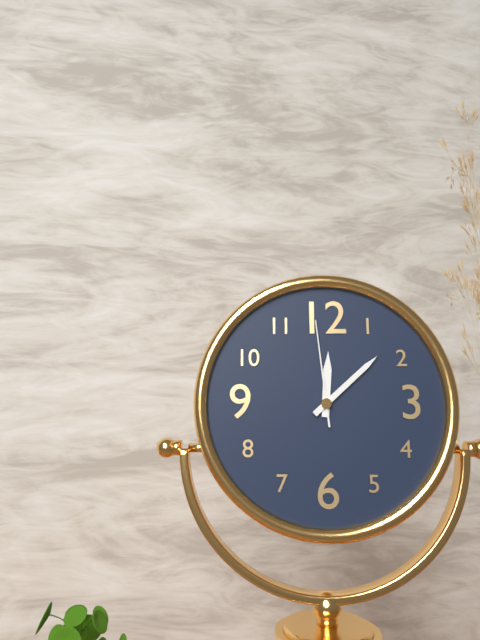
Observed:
12.08.59
